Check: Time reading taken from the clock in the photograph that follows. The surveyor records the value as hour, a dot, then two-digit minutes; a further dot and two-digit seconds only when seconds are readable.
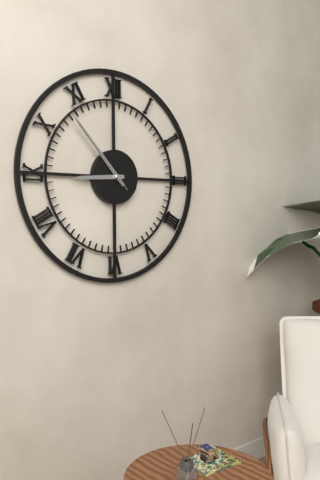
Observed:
8.53.53
